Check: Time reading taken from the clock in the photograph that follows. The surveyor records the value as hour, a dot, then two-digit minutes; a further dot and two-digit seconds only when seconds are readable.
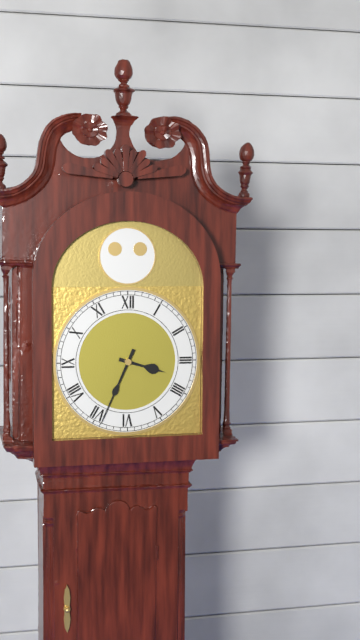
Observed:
3.34
